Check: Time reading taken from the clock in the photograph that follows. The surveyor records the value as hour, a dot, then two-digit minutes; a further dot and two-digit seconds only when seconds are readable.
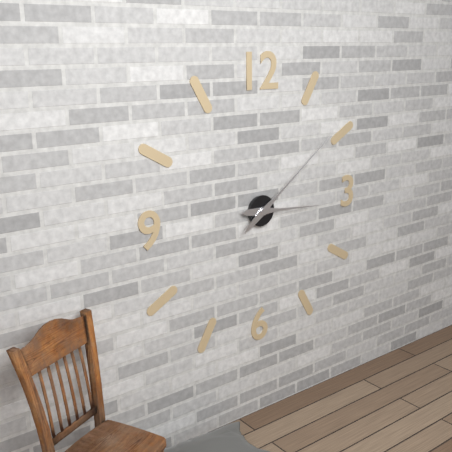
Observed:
3.09
